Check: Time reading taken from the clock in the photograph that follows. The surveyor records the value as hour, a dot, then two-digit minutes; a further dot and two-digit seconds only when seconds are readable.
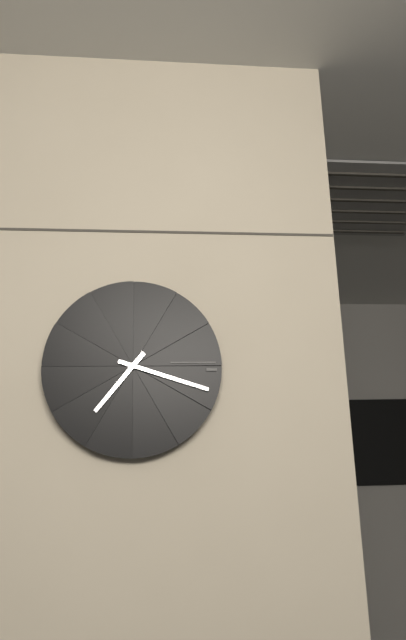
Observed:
7.18
